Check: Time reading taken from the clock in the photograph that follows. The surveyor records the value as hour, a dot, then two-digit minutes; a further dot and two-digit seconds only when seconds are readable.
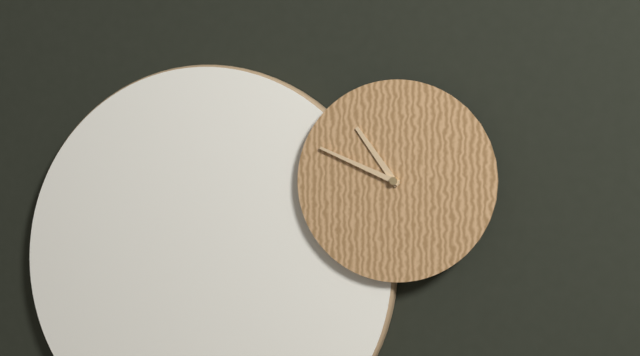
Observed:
10.49
